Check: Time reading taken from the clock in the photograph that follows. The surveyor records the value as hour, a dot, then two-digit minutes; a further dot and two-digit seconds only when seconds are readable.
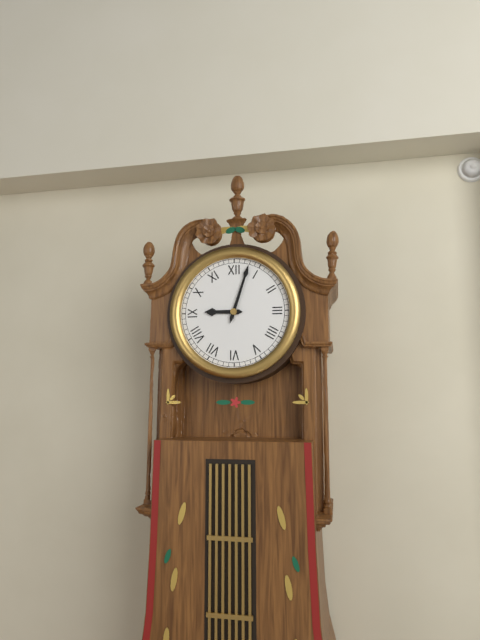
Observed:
9.03
